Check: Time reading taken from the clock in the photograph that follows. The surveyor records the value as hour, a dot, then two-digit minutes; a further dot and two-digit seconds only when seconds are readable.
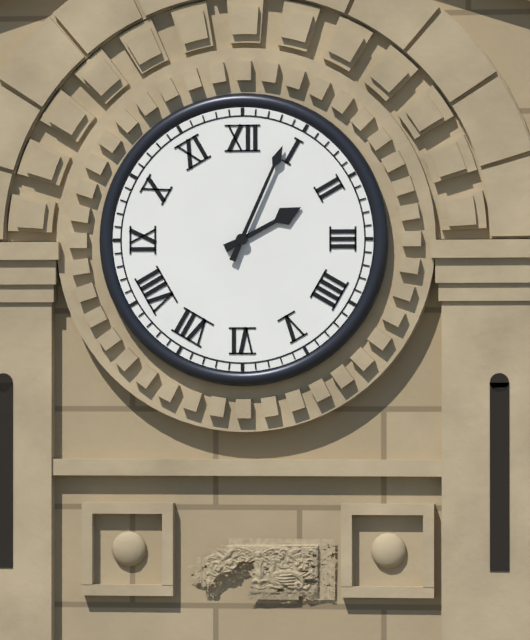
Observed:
2.04
